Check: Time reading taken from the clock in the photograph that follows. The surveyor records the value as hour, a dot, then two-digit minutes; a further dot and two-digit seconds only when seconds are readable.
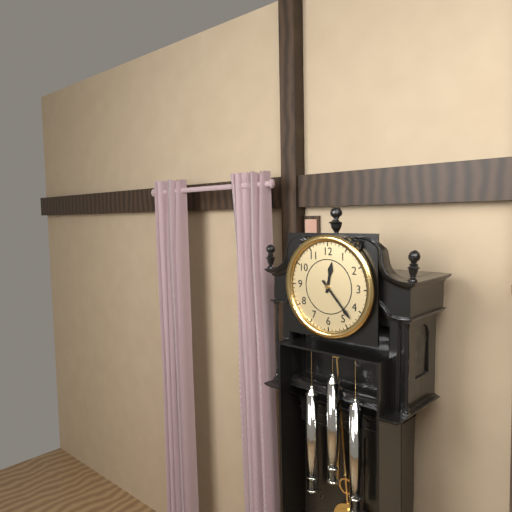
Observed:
12.23
